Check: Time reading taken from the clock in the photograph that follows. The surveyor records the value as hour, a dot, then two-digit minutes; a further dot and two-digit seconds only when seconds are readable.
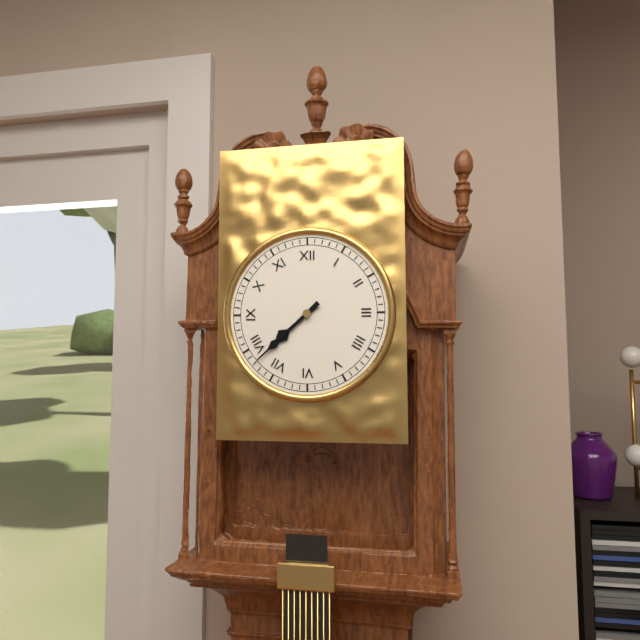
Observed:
7.38
